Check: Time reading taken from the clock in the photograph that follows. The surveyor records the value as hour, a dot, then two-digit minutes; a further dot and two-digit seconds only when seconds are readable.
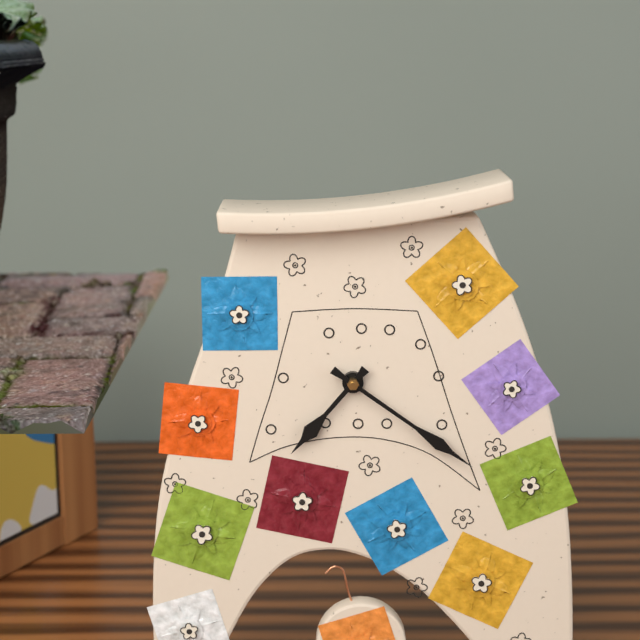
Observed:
7.21
